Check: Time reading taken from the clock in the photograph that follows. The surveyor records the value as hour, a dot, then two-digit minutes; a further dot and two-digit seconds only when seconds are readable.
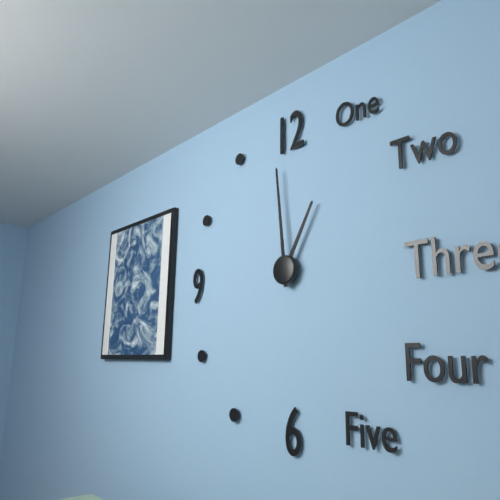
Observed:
12.59
